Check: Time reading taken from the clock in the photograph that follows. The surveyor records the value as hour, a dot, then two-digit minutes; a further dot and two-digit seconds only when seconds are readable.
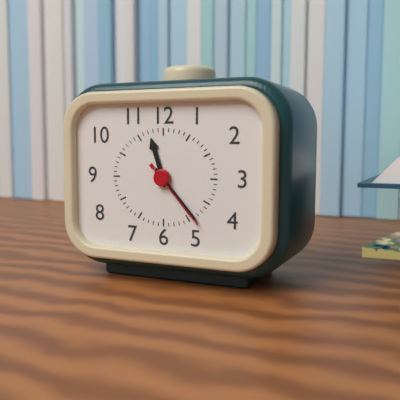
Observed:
11.23.23
